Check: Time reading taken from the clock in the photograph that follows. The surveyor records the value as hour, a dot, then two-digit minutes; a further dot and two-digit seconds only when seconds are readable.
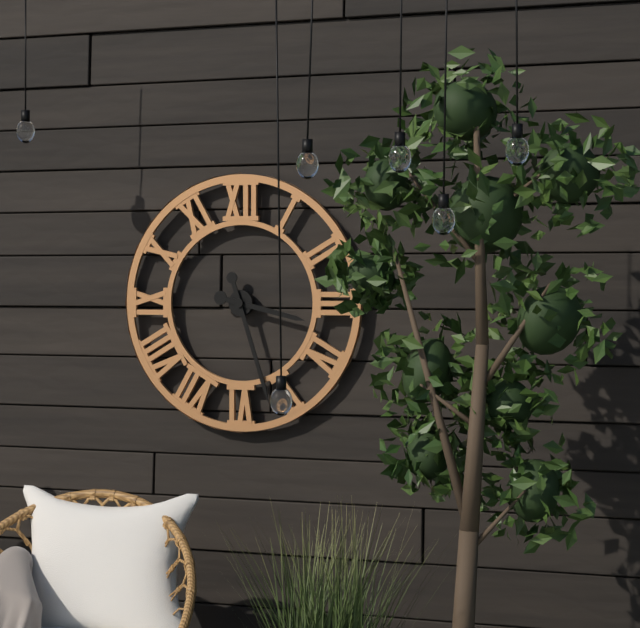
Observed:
3.27
